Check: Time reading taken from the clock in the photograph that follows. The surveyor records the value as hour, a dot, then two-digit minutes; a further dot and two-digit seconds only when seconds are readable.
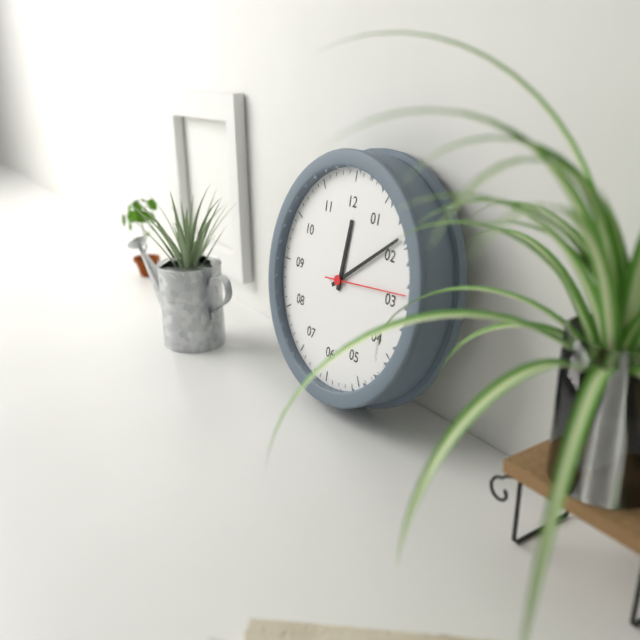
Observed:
12.09.14
